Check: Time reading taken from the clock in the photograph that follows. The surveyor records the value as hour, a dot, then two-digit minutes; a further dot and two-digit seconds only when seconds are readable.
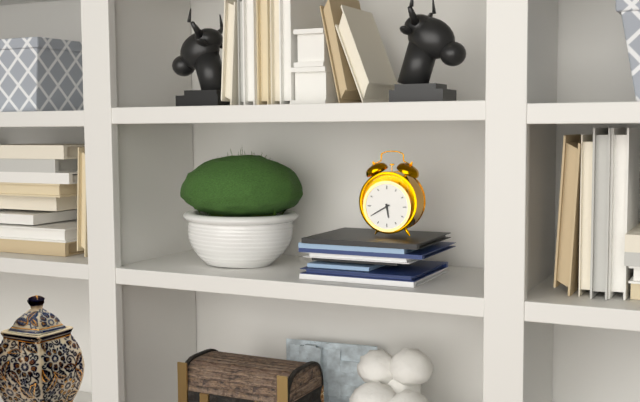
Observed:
5.40
